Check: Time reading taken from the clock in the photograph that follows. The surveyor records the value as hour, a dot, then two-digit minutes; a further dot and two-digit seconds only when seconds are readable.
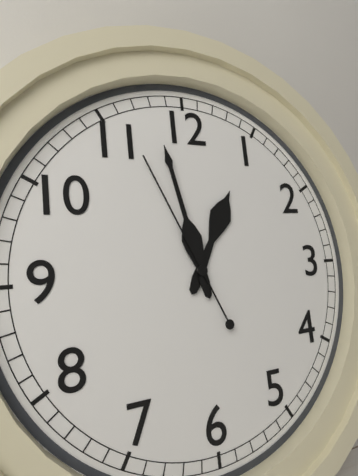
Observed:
12.58.56
